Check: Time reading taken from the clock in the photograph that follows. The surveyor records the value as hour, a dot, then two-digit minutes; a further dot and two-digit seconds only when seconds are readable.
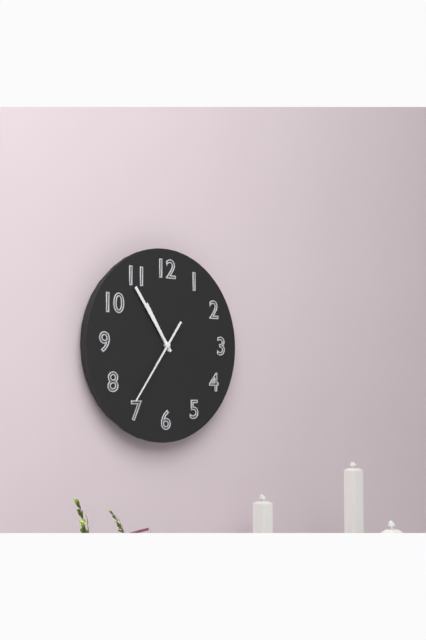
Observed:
10.54.36
